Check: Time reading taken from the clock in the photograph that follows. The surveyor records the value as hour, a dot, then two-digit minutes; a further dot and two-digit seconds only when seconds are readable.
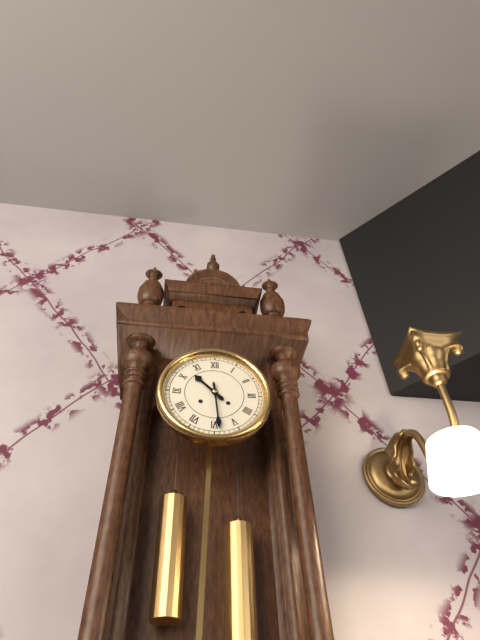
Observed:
10.29
